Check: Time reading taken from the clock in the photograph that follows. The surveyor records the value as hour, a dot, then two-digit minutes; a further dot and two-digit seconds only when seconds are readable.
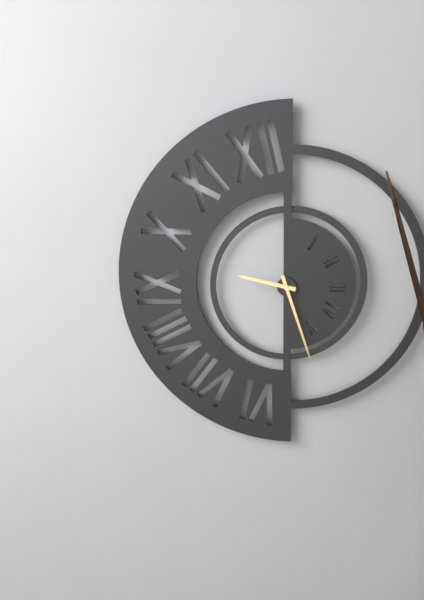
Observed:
9.27
